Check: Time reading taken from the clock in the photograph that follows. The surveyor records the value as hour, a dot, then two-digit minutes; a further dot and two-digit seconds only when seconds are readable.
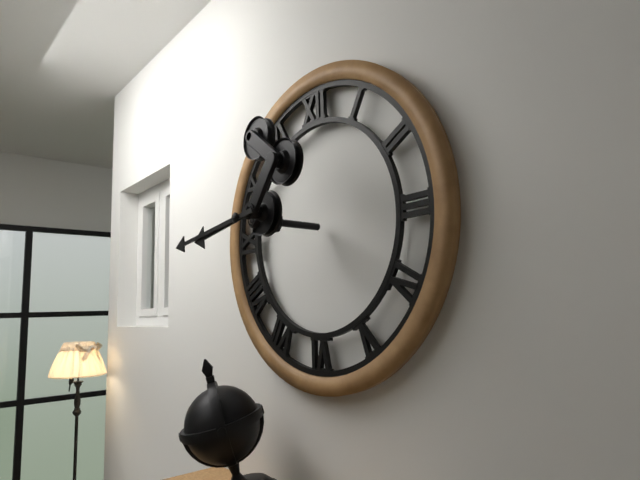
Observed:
8.44
